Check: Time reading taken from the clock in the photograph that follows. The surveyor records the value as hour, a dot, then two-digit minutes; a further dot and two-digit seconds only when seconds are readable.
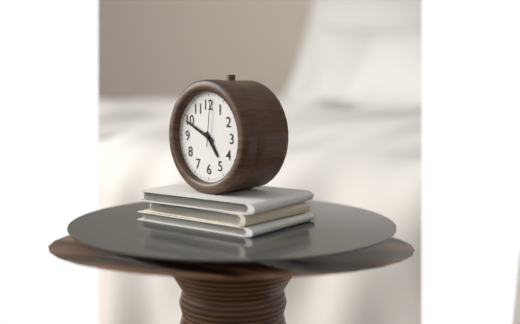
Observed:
4.49
